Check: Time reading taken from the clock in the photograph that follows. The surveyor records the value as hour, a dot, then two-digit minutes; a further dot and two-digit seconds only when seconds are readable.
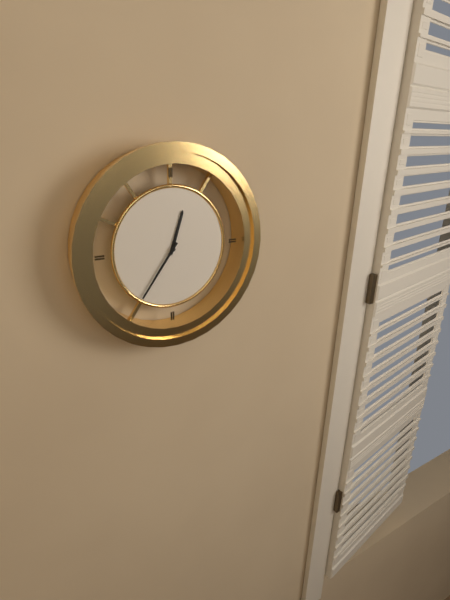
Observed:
12.36
